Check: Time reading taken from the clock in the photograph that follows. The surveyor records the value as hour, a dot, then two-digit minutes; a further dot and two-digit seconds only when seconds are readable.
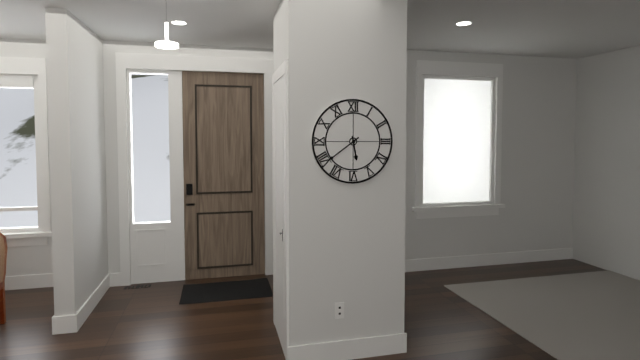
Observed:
5.39
